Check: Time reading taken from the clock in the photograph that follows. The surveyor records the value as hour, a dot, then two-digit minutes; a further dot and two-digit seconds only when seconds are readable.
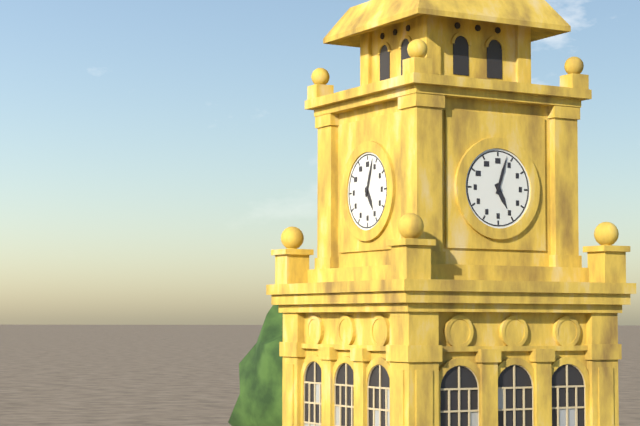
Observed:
5.03
